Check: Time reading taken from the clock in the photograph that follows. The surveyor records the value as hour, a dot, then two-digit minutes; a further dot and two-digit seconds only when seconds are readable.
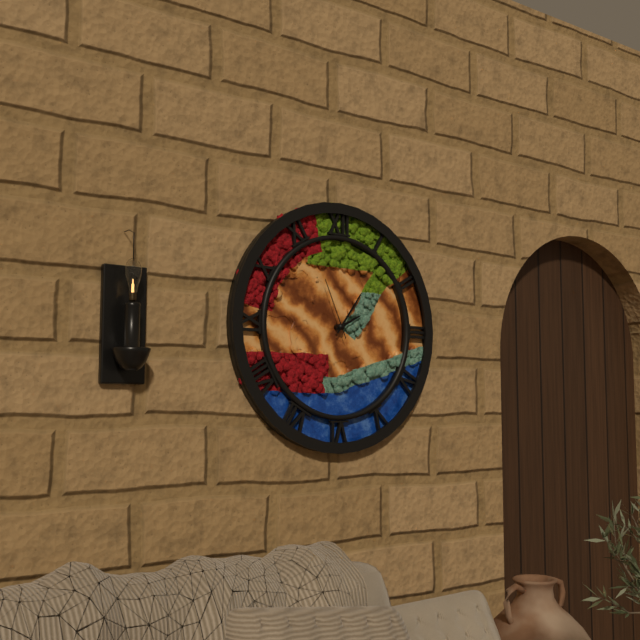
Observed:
2.06.56
